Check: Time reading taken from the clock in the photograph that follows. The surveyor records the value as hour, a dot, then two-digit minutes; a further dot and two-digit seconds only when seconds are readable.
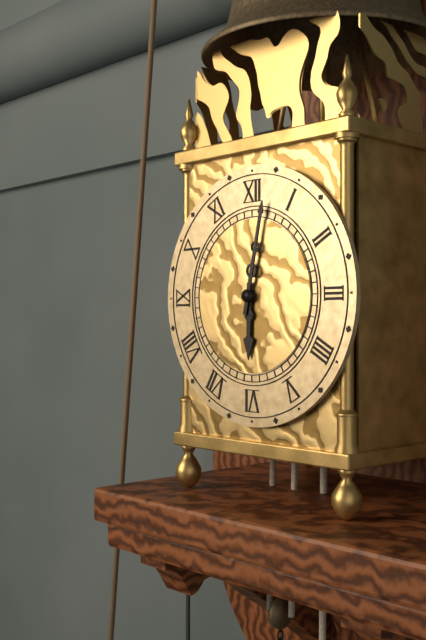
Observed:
6.02
